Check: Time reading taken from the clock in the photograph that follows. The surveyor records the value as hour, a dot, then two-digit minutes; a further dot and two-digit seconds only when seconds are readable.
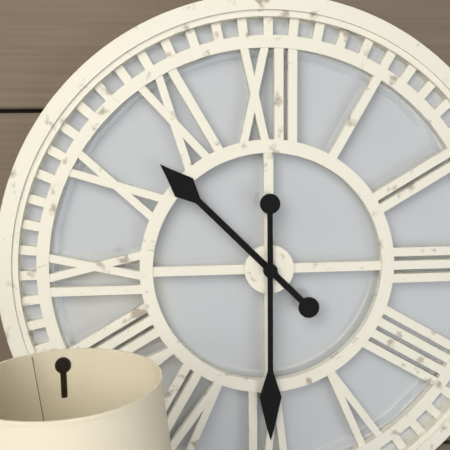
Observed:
10.30
